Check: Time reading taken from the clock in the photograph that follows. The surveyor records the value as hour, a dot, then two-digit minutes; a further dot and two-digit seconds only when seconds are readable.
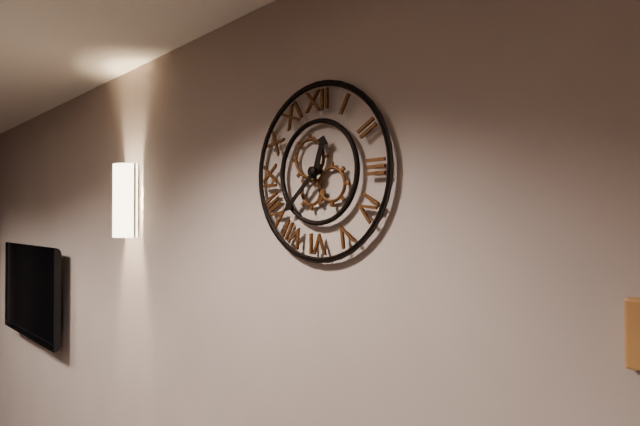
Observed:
12.38
